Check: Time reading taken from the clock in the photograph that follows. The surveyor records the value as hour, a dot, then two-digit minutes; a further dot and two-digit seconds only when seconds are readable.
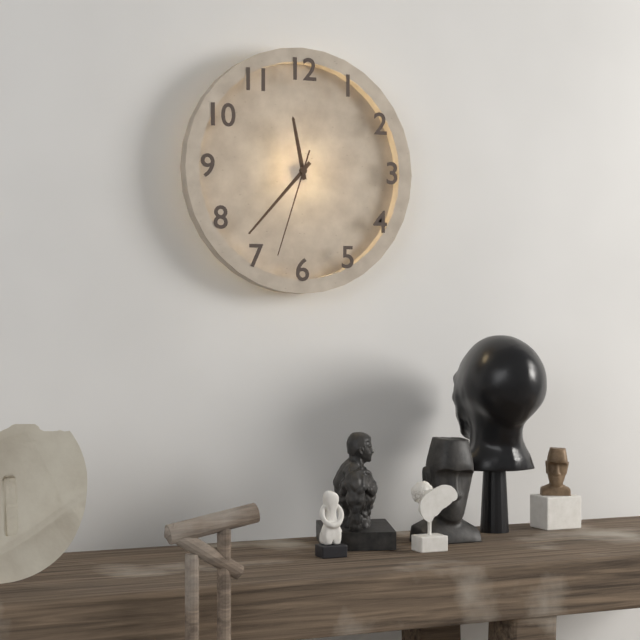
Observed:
11.37.33
